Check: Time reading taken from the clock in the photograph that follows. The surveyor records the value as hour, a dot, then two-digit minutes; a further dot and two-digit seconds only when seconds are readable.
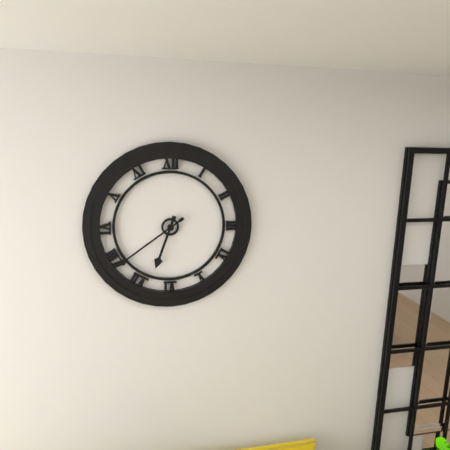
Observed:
6.39
